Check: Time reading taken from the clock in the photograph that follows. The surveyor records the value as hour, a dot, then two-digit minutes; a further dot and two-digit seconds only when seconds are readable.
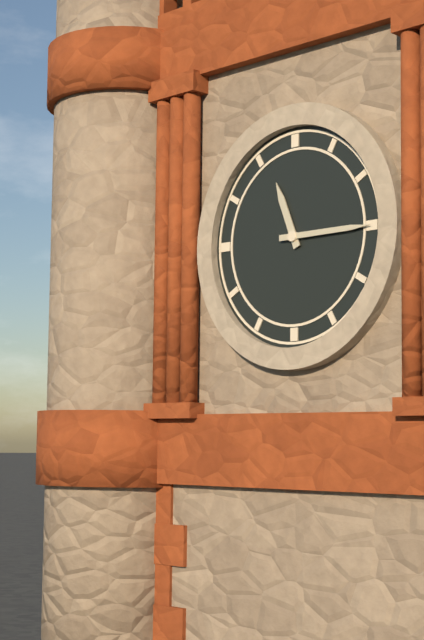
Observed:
11.15
